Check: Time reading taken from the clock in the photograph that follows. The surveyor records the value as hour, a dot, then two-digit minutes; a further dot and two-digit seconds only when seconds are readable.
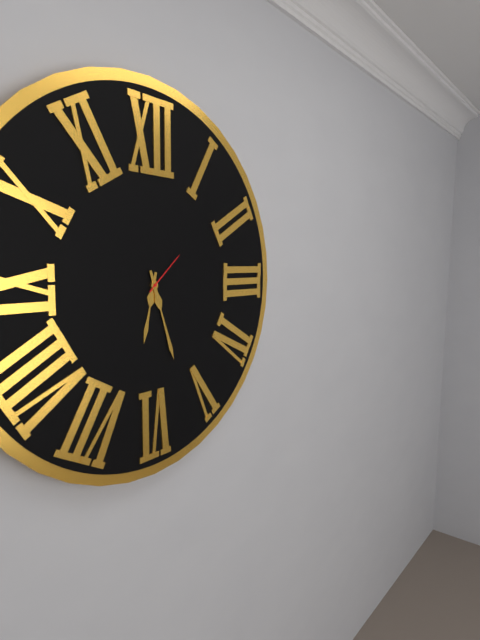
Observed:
6.27
